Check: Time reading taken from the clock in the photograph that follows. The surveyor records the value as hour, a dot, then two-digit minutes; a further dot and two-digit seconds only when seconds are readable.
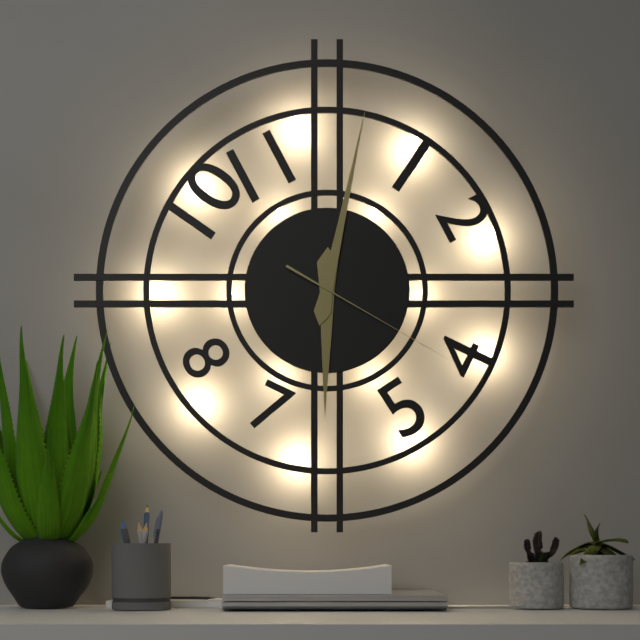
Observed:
6.02.20
